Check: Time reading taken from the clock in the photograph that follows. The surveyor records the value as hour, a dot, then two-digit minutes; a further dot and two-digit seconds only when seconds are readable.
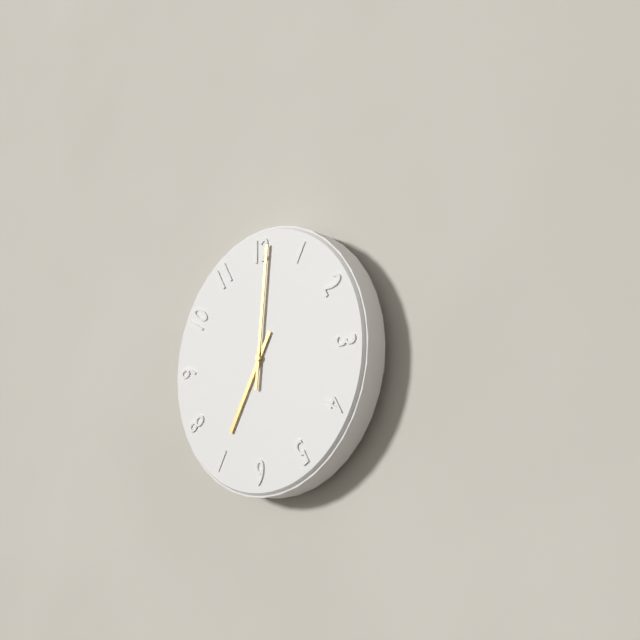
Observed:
7.01
